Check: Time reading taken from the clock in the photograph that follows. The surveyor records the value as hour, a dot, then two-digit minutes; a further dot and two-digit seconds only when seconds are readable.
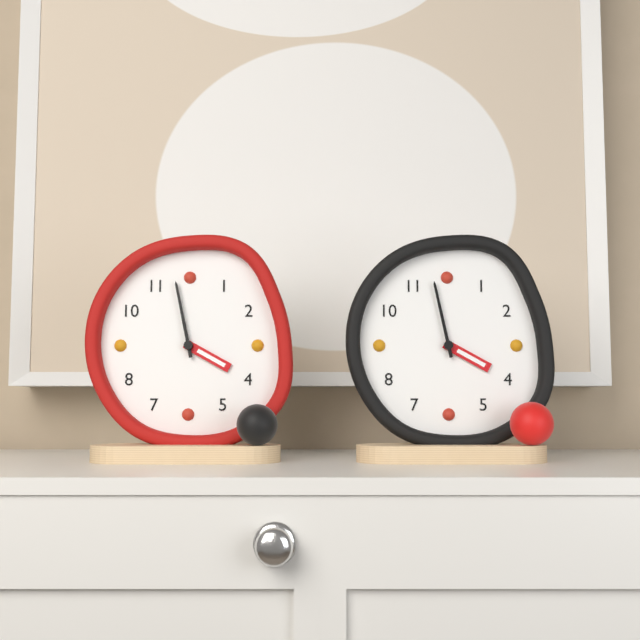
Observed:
3.58
